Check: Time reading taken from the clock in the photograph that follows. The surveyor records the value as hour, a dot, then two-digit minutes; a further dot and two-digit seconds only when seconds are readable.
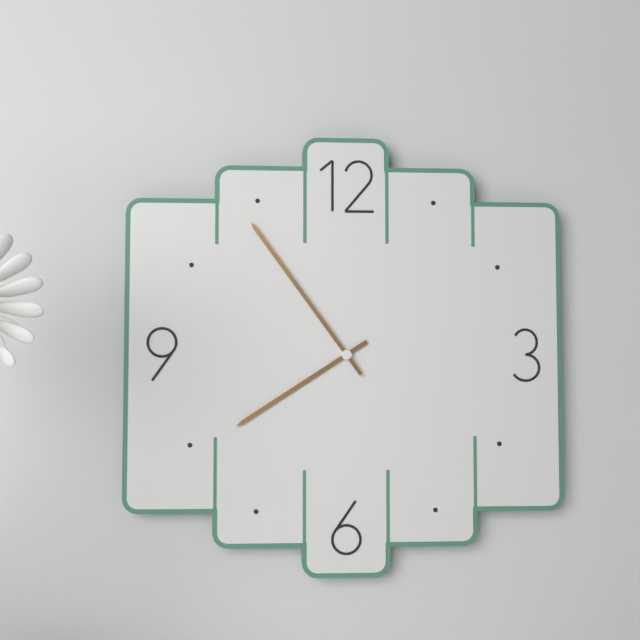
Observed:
7.54
